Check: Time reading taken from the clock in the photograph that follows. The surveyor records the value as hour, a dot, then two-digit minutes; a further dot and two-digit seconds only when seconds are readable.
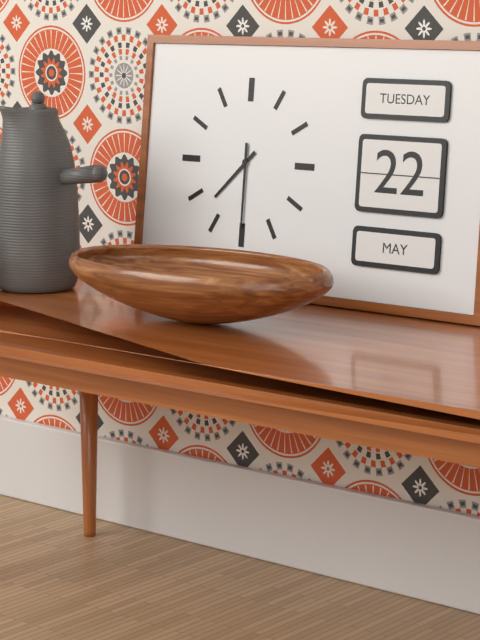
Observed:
7.30
